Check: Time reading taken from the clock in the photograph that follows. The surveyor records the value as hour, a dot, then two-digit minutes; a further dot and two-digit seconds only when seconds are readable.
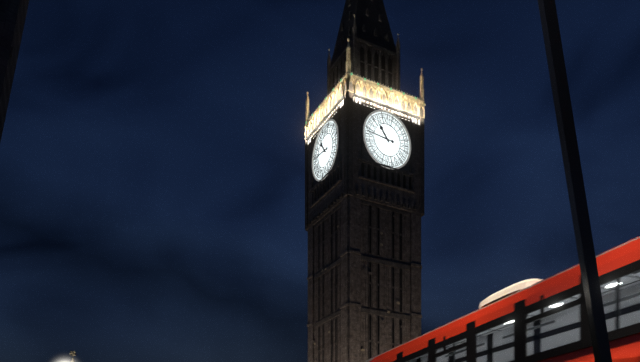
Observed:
10.46
